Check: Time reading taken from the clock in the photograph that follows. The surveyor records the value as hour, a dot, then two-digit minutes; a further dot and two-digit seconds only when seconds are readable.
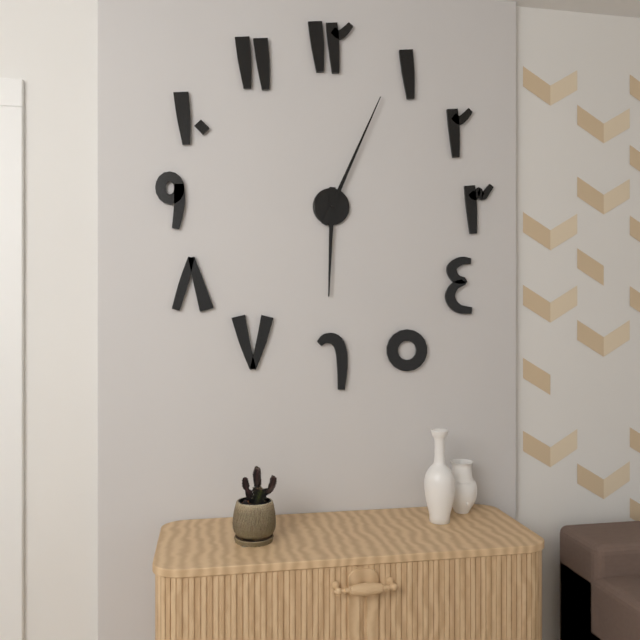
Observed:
6.04
